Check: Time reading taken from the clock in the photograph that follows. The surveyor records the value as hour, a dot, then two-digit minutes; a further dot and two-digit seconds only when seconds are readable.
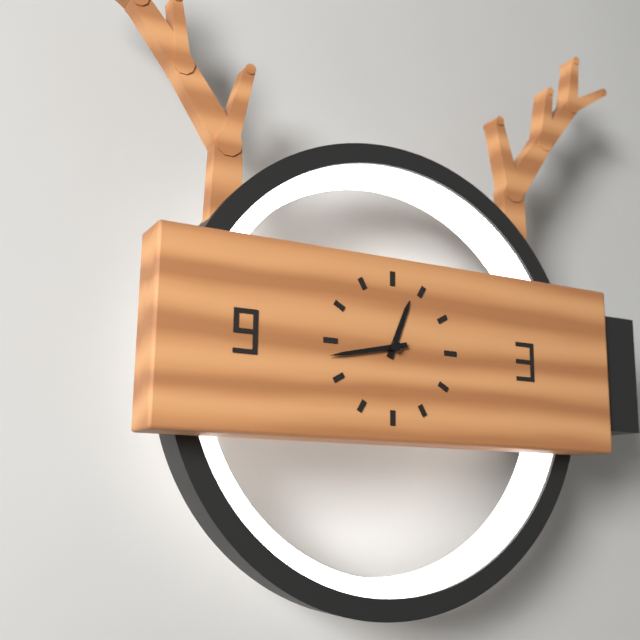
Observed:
12.43
